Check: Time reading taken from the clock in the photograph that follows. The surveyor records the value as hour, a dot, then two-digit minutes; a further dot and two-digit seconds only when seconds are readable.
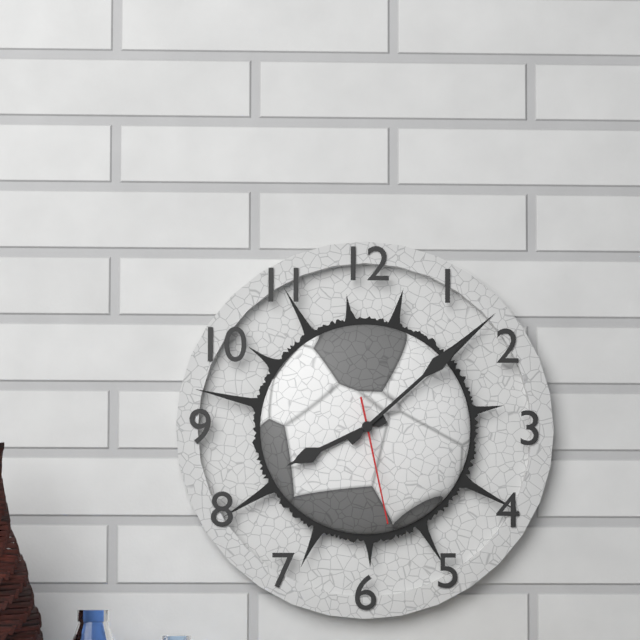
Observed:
8.08.28
